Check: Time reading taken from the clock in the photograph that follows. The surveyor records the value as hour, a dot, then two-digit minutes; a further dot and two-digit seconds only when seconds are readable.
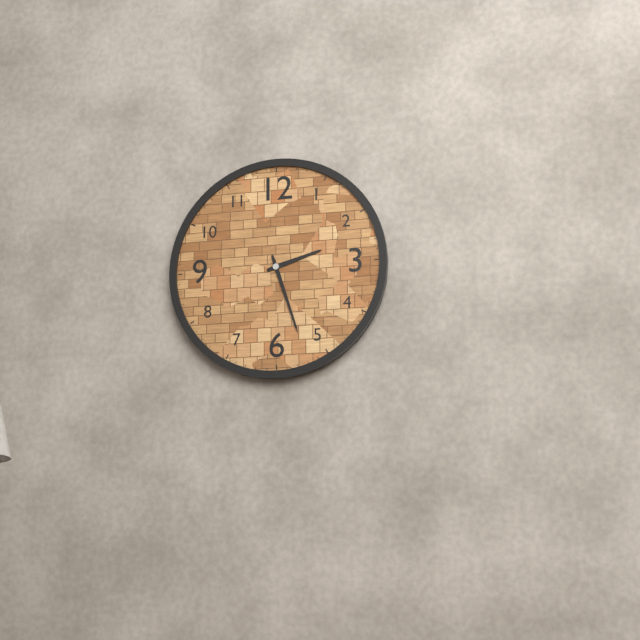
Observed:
2.27
